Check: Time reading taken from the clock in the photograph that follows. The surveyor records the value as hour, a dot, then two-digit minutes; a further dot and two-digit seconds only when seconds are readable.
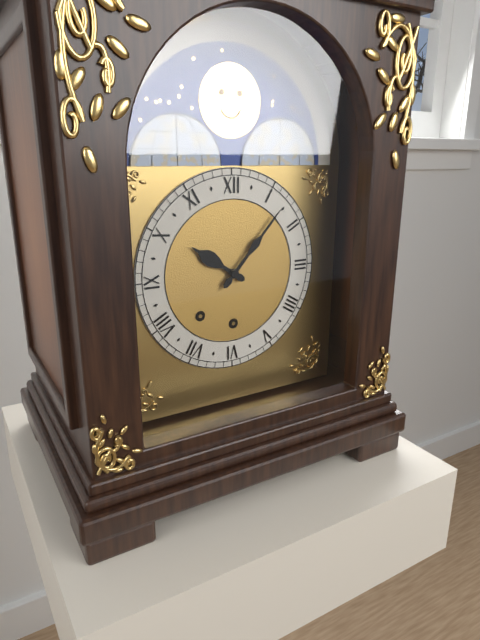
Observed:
10.07
